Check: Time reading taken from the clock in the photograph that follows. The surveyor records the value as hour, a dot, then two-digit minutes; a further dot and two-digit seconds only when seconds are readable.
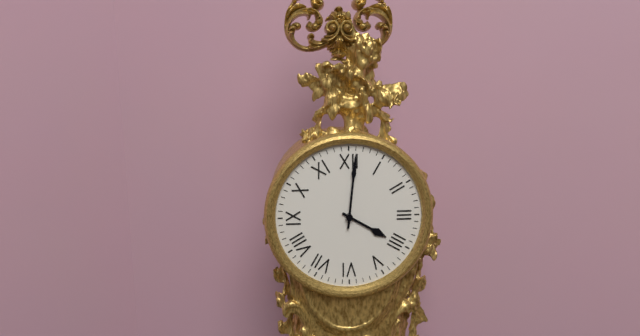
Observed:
4.01
